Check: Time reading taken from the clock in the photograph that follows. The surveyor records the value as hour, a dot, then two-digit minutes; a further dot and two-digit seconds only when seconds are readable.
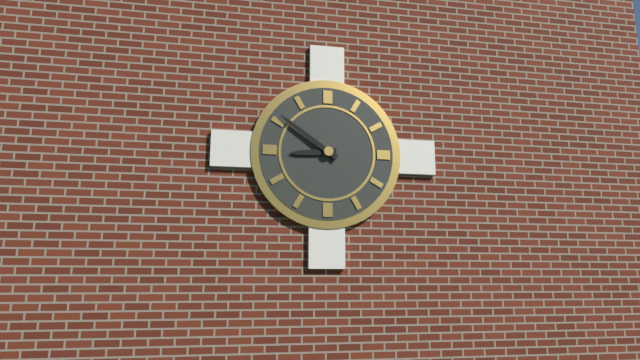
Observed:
8.51
